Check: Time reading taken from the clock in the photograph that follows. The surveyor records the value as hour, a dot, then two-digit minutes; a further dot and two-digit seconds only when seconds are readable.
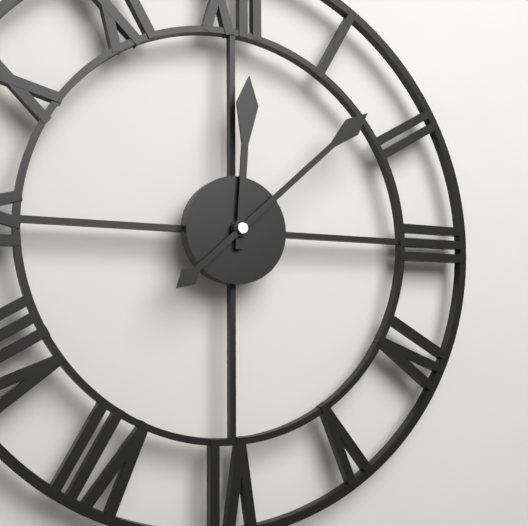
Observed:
12.08
